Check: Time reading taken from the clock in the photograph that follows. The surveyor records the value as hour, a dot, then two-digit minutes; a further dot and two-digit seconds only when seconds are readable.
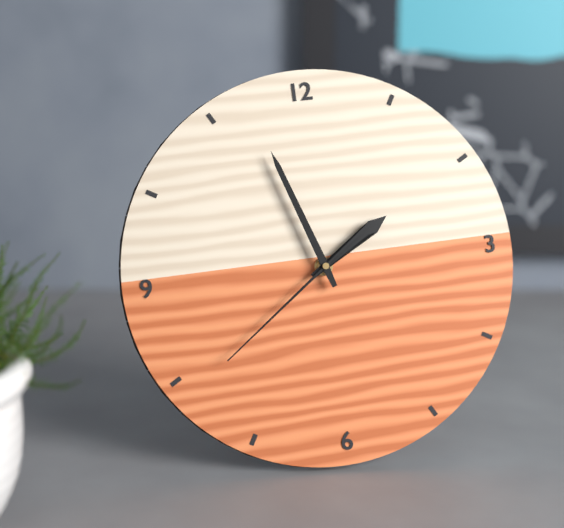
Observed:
1.57.39
